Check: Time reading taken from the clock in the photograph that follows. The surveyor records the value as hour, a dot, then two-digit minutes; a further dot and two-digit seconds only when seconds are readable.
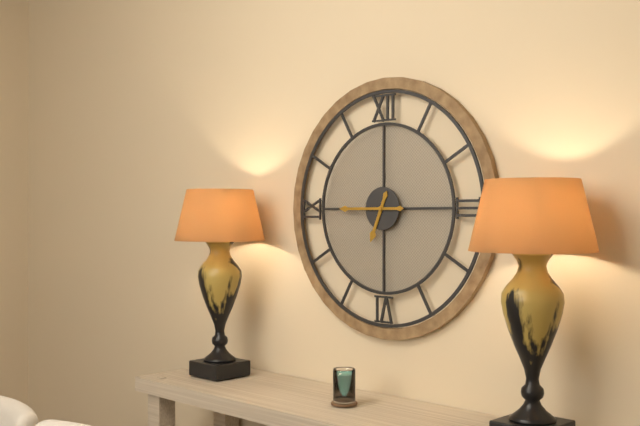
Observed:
6.45
